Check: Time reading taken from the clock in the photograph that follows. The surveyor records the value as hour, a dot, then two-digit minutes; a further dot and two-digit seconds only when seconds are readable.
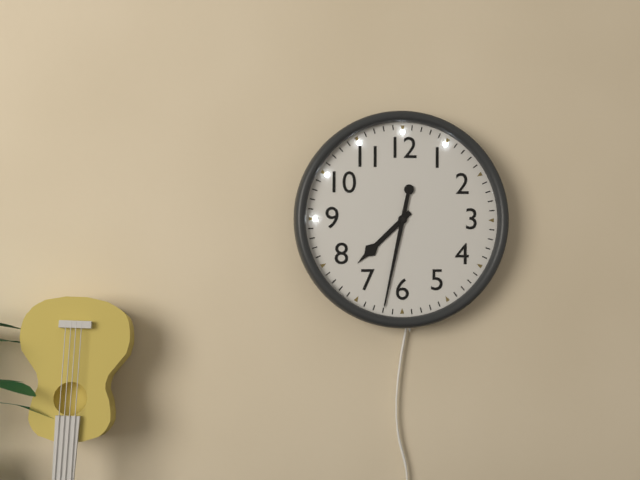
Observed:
7.32
